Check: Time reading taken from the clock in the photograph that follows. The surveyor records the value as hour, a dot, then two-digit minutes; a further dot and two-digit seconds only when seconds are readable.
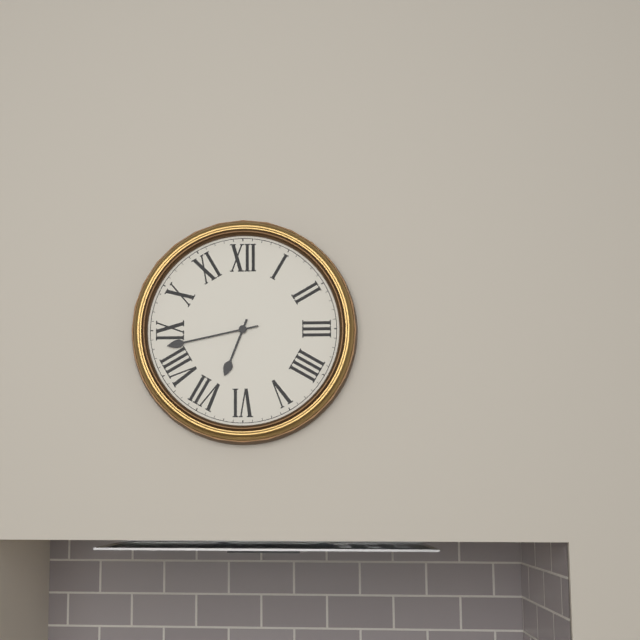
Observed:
6.43
